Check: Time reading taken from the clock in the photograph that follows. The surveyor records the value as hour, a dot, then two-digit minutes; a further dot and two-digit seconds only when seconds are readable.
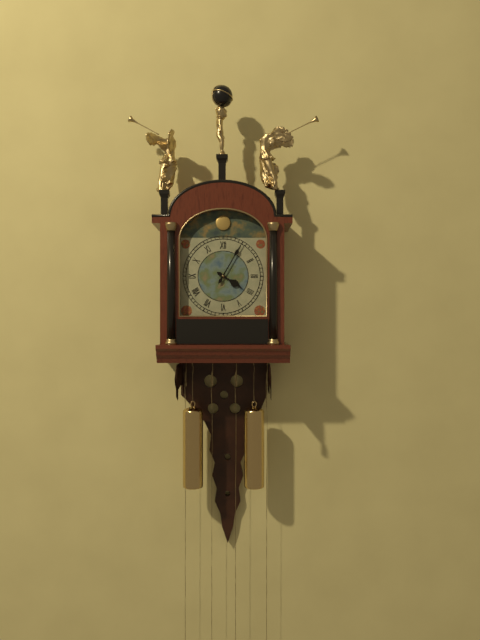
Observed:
4.05
